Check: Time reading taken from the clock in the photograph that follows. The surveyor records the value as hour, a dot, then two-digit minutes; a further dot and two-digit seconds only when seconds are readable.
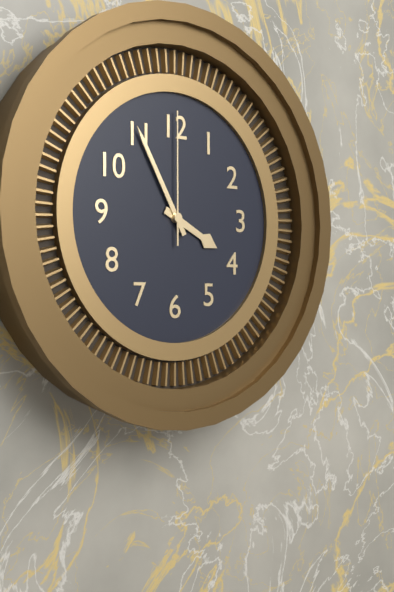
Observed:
3.55.00
